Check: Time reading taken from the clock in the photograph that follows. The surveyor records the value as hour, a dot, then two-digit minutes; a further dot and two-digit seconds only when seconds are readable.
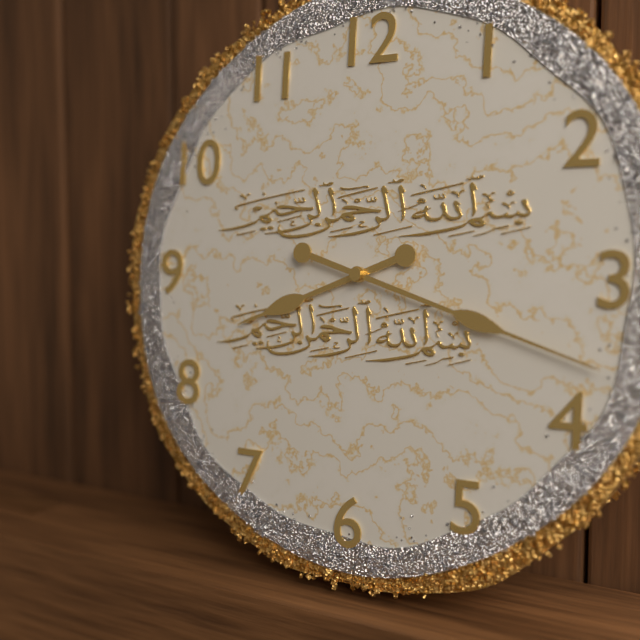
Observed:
8.18
